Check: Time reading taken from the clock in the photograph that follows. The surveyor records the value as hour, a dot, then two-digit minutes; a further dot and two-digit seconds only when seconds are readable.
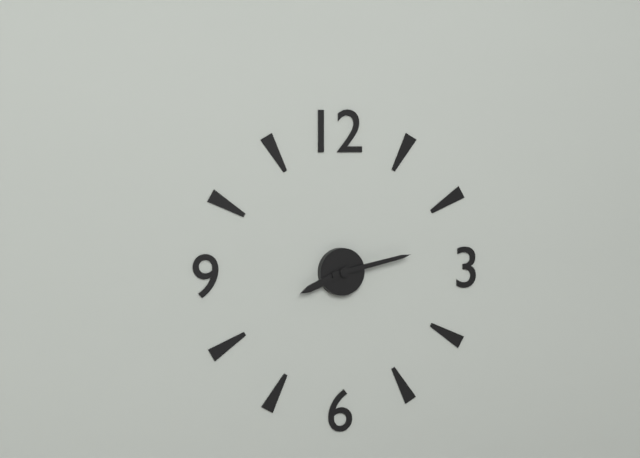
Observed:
8.13
